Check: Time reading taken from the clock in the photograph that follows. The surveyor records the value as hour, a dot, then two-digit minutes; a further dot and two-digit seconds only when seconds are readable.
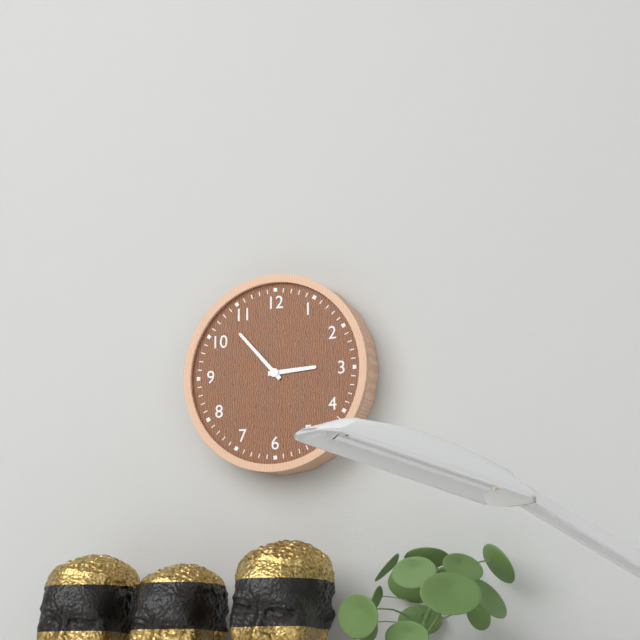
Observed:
2.53
